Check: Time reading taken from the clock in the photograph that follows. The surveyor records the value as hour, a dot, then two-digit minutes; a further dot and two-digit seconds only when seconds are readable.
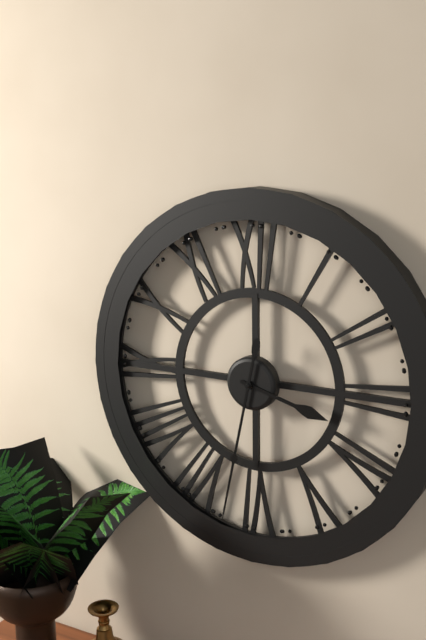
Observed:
3.32
